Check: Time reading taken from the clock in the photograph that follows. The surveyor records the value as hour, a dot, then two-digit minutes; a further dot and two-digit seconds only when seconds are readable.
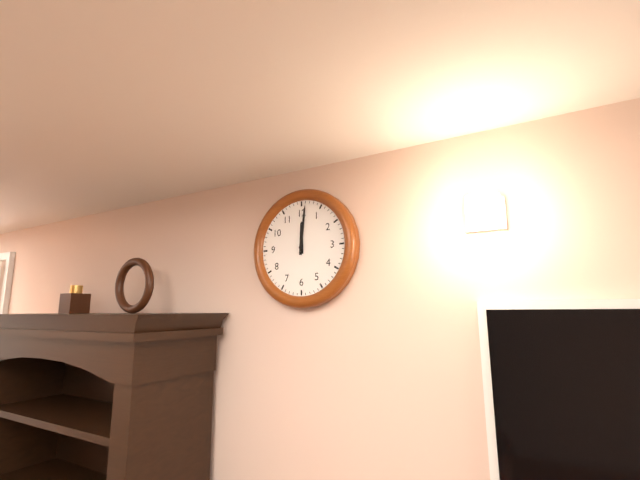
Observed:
12.01
